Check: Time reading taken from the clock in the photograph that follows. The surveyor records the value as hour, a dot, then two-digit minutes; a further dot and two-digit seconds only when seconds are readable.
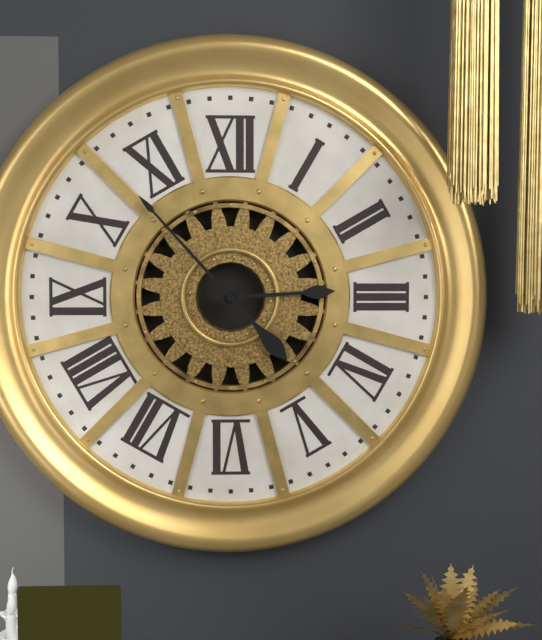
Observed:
2.53
